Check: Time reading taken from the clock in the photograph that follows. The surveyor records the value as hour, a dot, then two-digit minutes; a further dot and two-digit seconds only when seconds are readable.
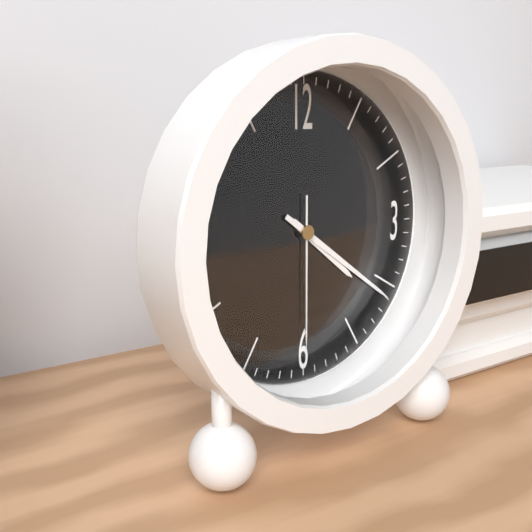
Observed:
4.21.30
